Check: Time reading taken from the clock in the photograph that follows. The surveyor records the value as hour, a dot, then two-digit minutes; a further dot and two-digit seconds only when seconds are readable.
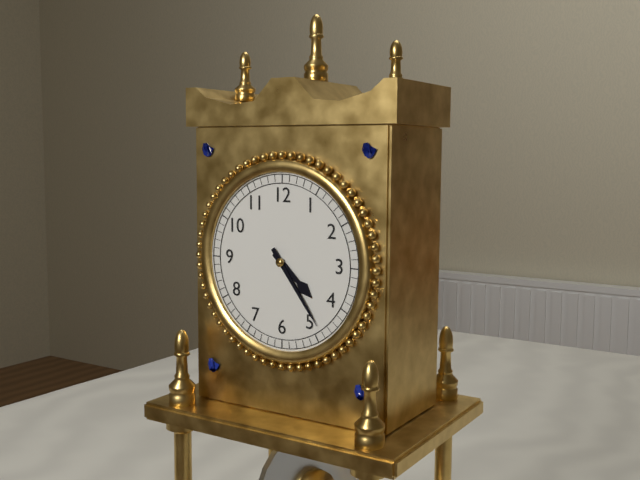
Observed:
4.24
